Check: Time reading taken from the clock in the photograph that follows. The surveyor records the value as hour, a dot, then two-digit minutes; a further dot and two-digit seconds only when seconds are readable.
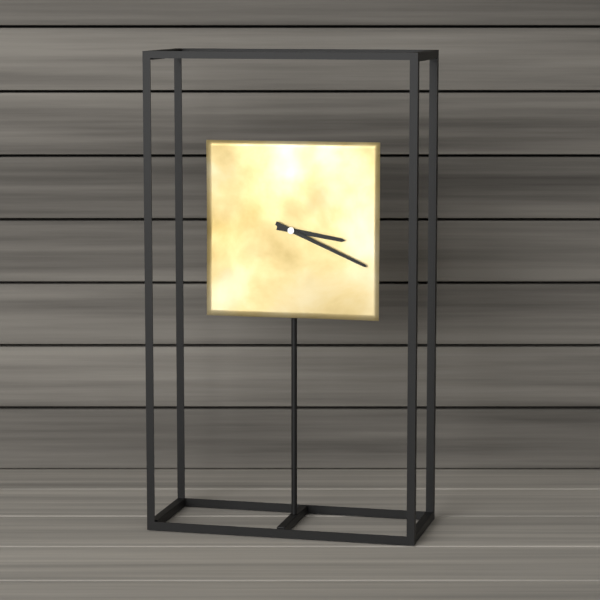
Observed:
3.19
